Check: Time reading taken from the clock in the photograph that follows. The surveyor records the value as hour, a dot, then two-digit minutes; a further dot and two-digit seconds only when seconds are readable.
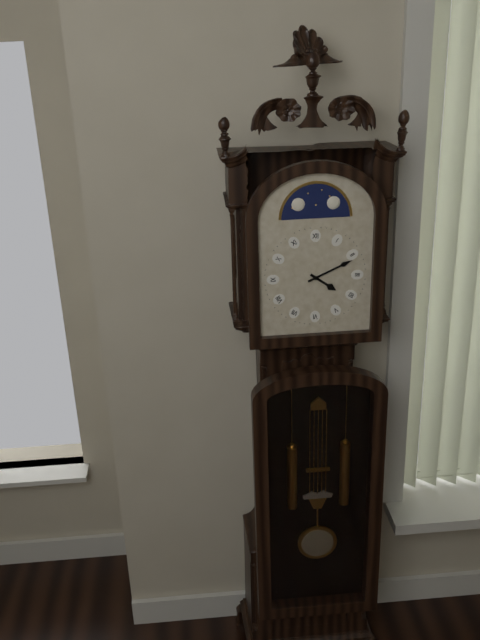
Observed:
4.11
